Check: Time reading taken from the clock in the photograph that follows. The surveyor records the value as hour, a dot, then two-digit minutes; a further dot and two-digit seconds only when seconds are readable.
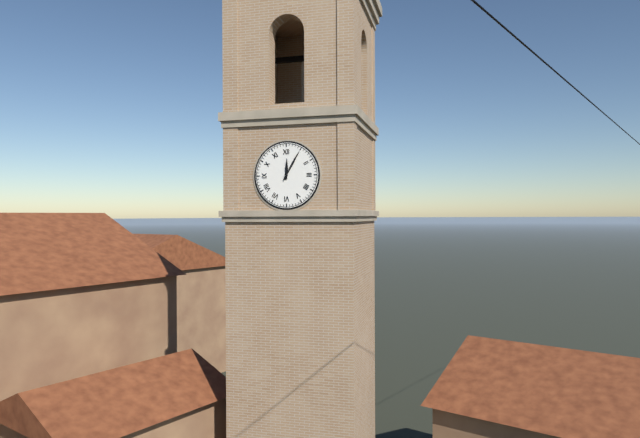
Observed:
12.05
